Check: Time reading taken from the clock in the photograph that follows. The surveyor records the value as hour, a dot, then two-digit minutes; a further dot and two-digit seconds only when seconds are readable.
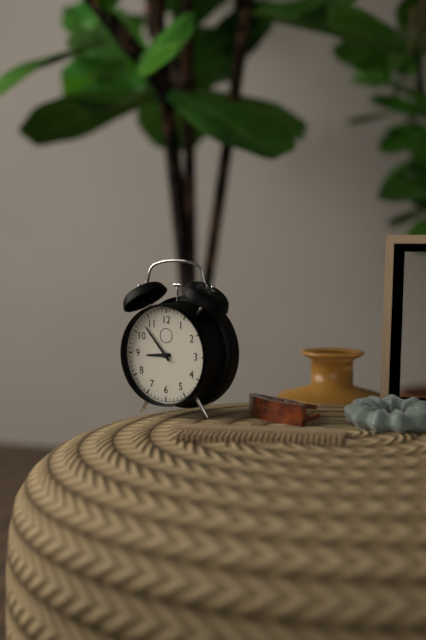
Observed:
8.53
